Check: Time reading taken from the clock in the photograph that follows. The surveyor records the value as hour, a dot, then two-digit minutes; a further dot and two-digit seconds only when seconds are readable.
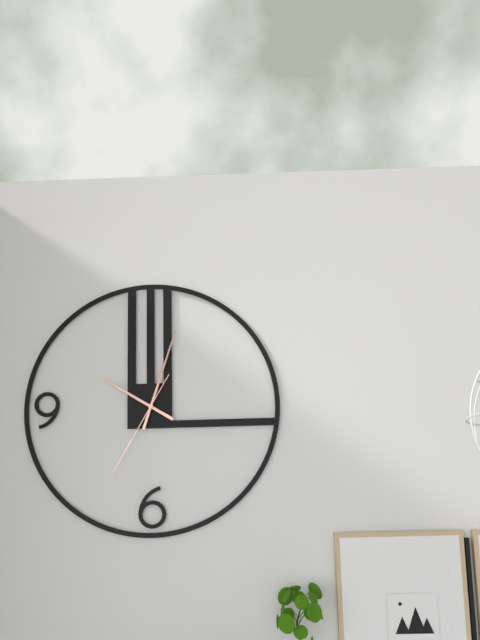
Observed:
10.03.35
